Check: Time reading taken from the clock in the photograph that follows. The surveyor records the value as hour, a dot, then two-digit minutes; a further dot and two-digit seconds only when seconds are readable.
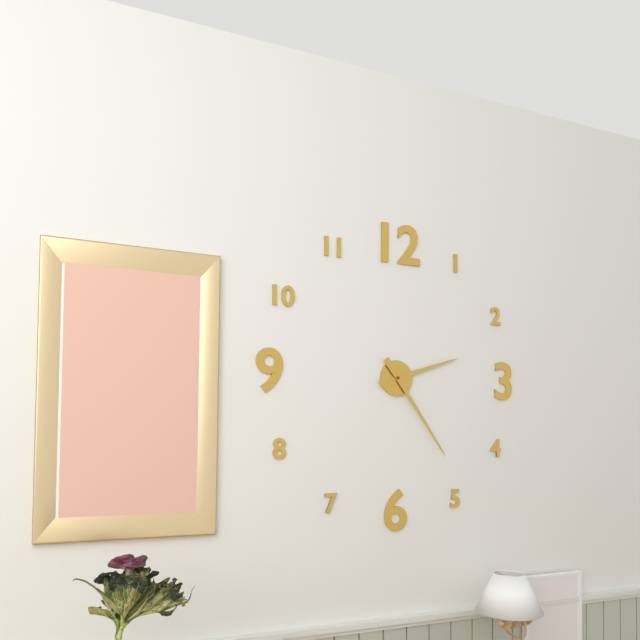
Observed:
2.24
